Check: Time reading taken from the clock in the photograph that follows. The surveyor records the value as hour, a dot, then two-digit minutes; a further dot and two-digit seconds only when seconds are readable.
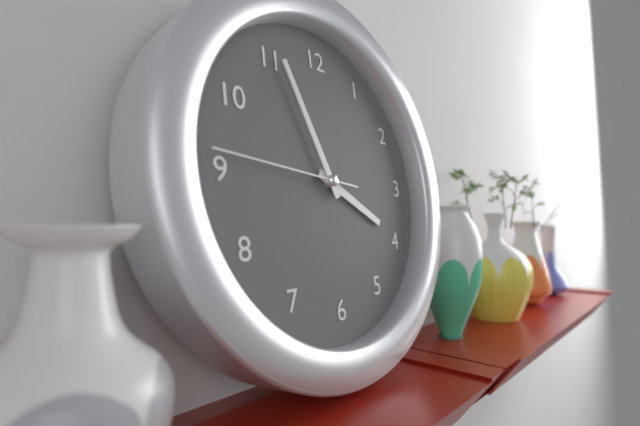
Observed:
3.56.46
